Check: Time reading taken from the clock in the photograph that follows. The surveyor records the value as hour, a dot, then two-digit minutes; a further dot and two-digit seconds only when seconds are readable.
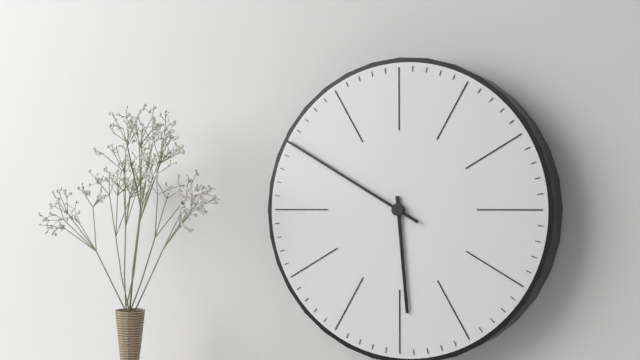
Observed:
5.50
